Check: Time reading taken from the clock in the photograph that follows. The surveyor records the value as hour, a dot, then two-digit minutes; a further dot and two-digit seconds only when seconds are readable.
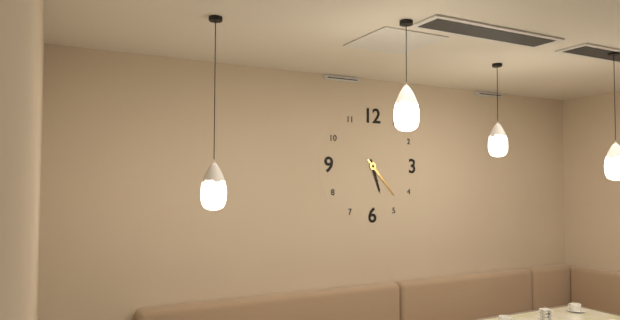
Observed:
5.23
